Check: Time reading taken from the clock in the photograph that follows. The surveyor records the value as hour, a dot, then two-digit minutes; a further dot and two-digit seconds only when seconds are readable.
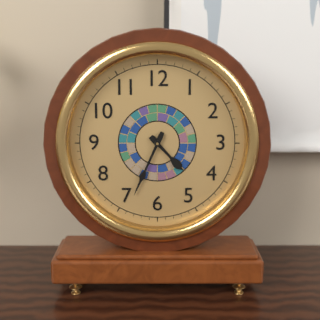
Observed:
4.34
